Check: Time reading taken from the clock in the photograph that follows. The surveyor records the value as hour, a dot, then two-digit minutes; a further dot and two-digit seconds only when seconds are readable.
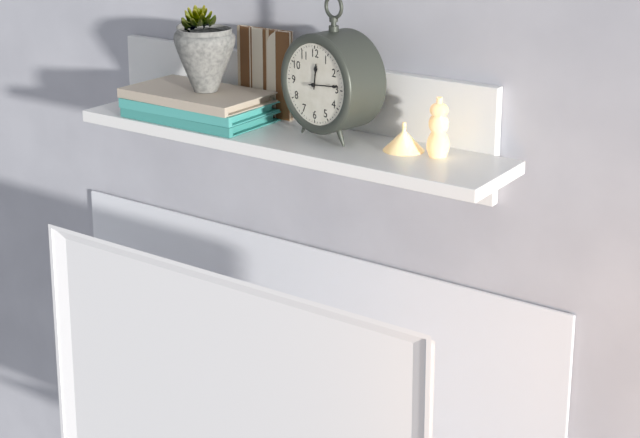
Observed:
12.14
